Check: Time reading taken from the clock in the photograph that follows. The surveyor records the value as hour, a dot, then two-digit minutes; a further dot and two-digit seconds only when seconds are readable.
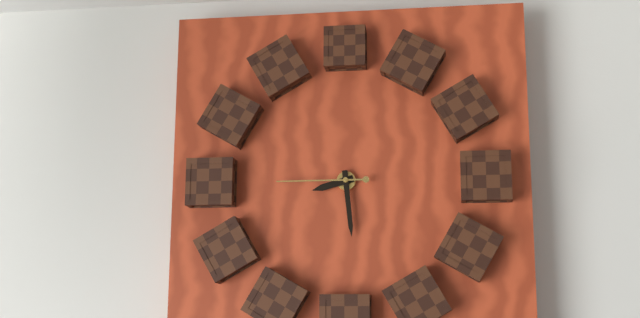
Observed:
8.29.45
